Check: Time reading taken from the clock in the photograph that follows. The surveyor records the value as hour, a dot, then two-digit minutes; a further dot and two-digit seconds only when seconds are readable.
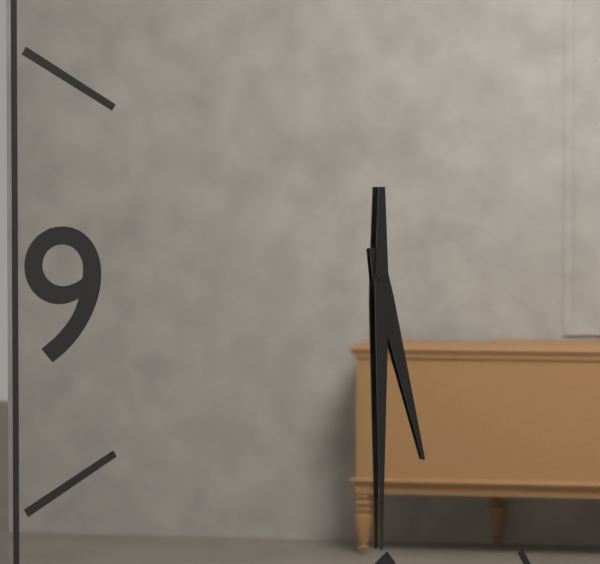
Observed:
5.30
